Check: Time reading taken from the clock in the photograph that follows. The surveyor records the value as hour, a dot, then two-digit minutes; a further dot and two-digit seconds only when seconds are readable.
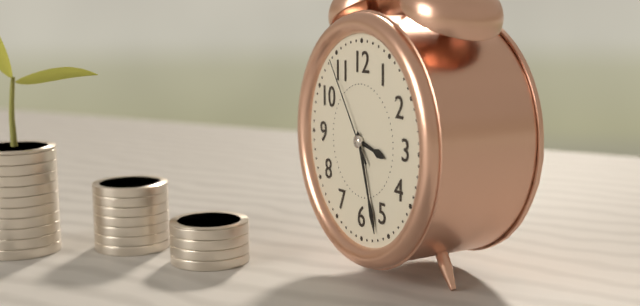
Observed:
3.27.54
